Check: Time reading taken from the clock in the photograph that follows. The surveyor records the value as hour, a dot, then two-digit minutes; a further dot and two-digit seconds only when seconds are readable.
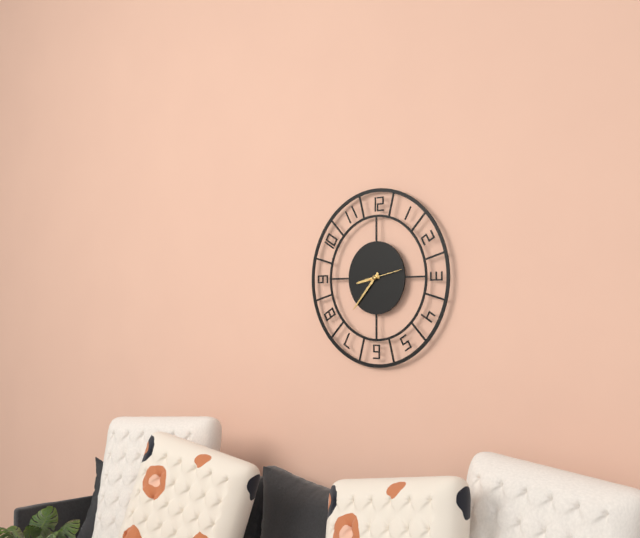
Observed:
8.37
